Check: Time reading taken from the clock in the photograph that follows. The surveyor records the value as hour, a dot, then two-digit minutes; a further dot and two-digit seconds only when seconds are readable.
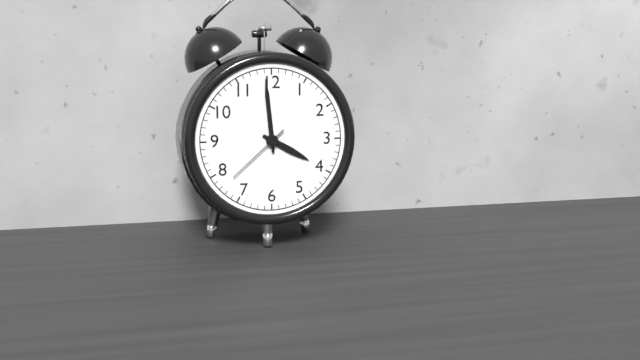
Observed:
3.59.38
